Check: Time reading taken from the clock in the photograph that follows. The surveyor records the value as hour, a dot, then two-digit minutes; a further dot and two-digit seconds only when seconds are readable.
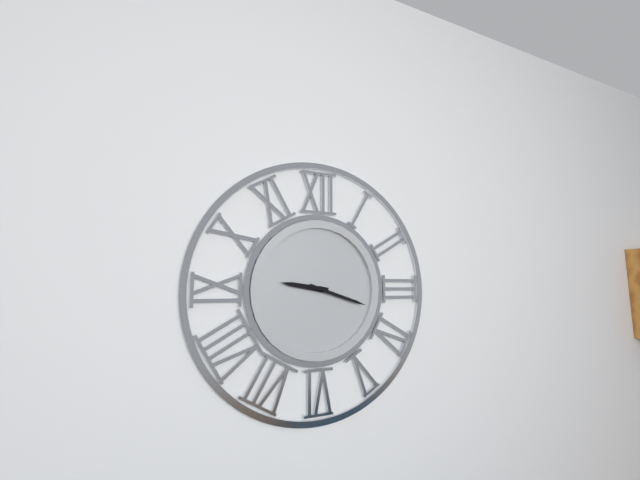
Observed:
9.18
